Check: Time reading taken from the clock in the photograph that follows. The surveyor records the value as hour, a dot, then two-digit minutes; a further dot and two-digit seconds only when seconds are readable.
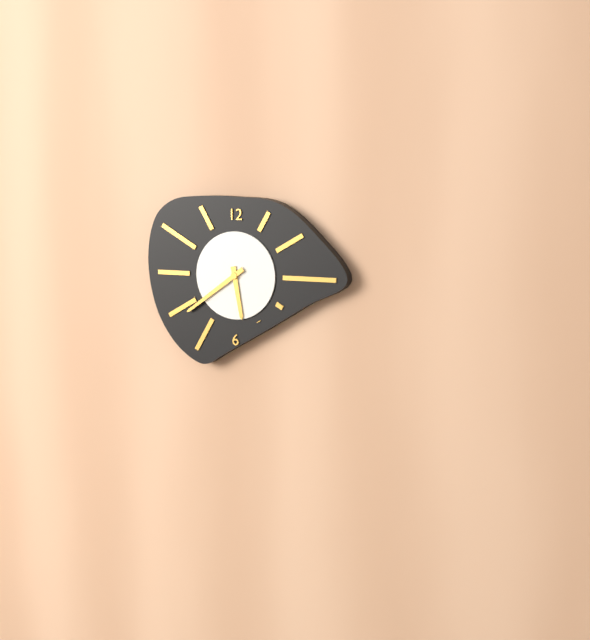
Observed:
5.39
